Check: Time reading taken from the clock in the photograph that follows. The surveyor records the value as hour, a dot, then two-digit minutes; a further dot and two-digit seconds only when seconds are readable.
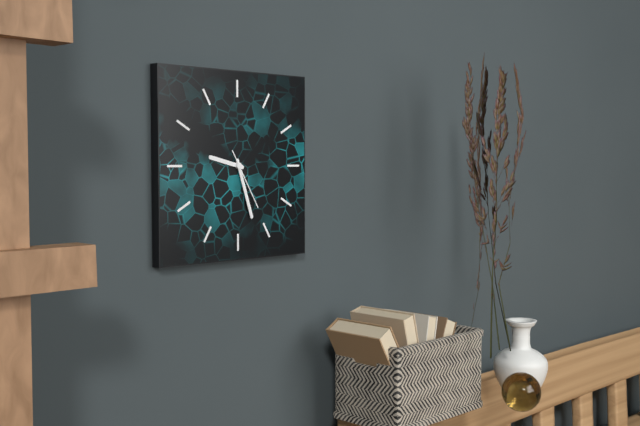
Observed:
9.27.25
